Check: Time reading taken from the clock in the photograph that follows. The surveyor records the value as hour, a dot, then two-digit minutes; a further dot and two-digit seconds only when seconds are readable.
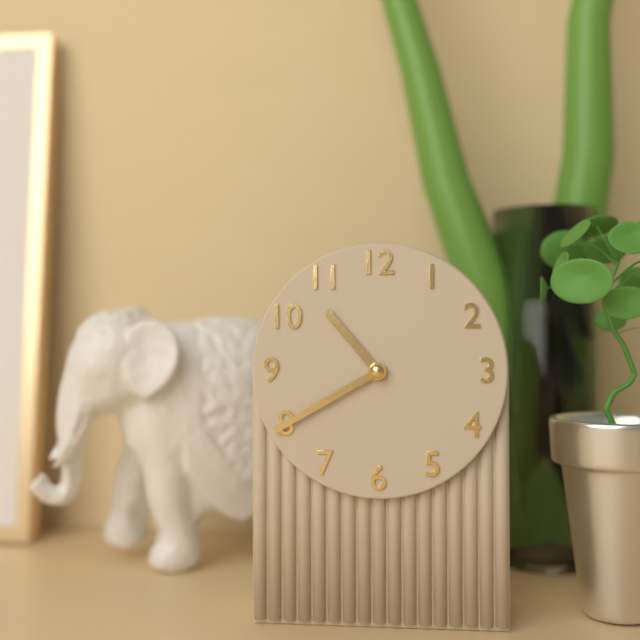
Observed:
10.40
